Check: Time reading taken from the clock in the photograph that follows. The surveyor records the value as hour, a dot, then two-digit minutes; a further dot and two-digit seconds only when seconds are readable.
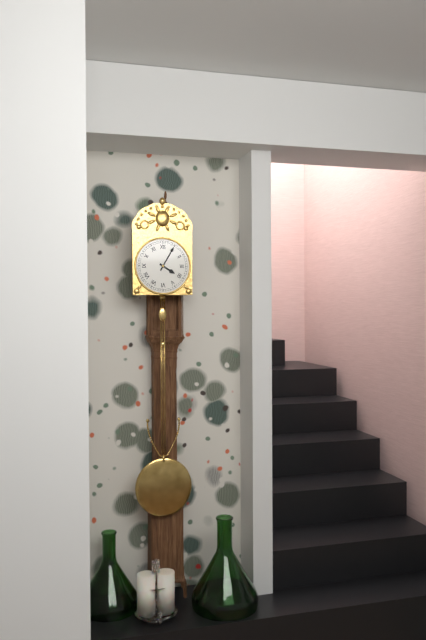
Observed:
4.05
